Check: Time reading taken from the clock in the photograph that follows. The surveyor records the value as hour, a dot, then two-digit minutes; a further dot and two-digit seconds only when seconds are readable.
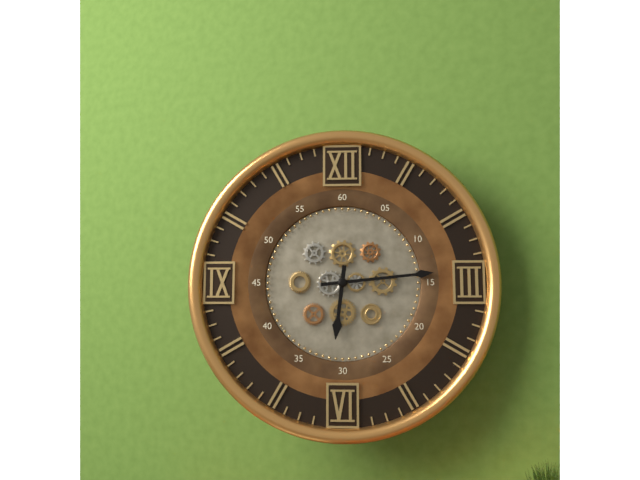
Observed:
6.14
